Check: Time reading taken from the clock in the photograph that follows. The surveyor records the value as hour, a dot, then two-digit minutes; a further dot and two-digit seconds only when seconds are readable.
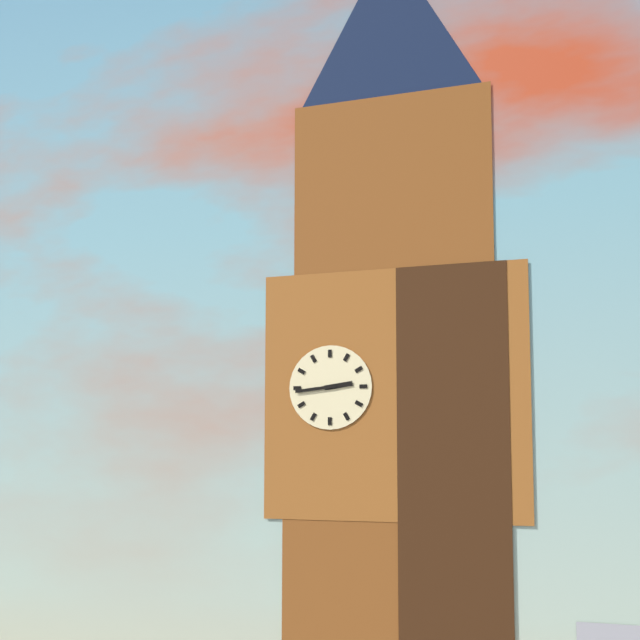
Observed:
2.44
